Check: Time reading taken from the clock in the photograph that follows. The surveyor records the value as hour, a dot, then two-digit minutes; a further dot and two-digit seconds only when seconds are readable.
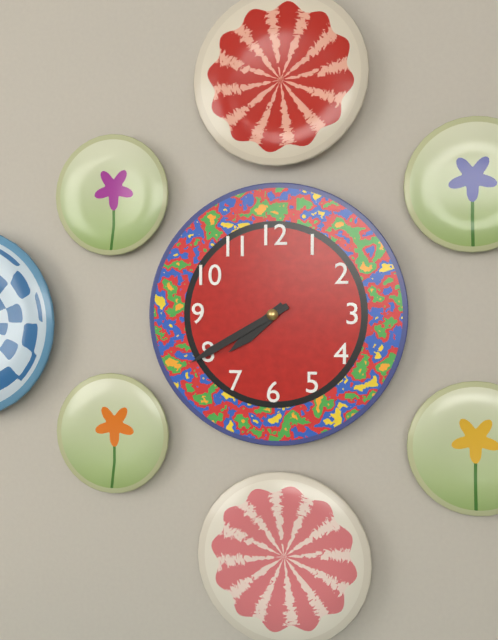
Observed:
7.40
